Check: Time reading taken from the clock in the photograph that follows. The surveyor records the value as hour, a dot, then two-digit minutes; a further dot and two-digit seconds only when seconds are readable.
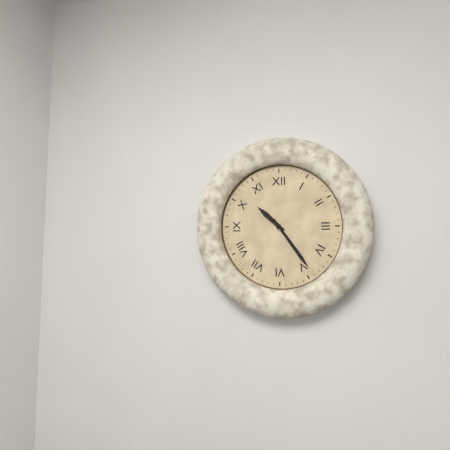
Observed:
10.24
